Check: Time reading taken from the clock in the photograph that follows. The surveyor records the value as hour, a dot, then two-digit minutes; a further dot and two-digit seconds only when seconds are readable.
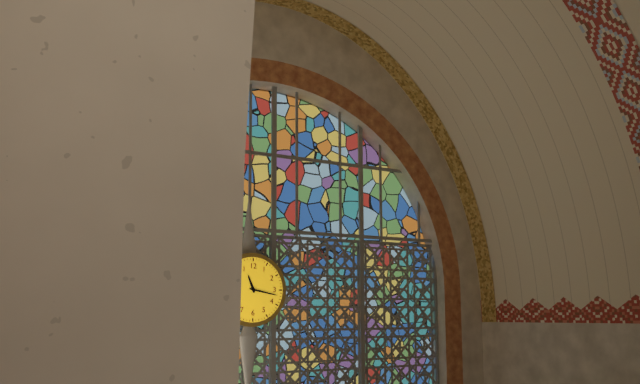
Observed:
11.17
